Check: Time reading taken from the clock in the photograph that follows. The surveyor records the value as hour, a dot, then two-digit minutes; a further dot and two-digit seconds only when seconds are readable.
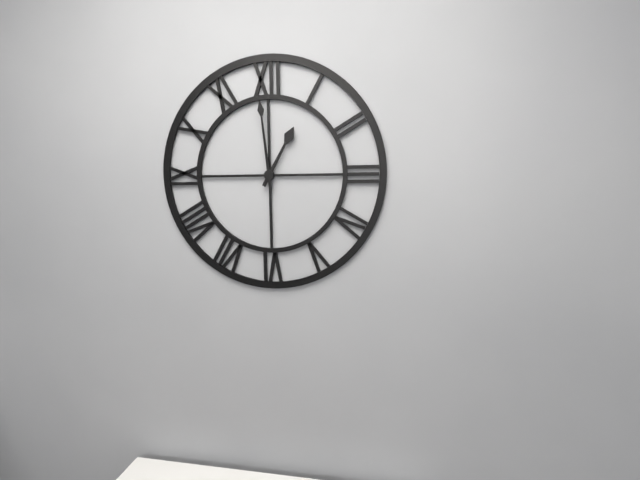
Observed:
12.59
